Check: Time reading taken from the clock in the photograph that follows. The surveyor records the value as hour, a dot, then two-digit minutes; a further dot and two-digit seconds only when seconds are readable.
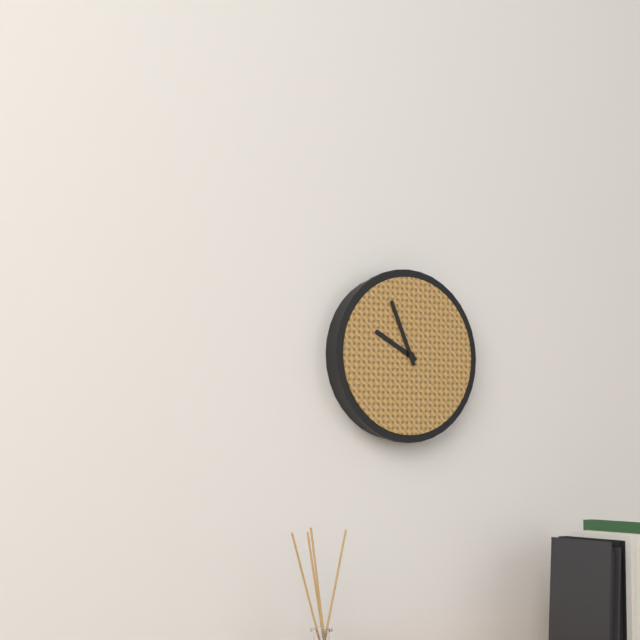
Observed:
9.56
